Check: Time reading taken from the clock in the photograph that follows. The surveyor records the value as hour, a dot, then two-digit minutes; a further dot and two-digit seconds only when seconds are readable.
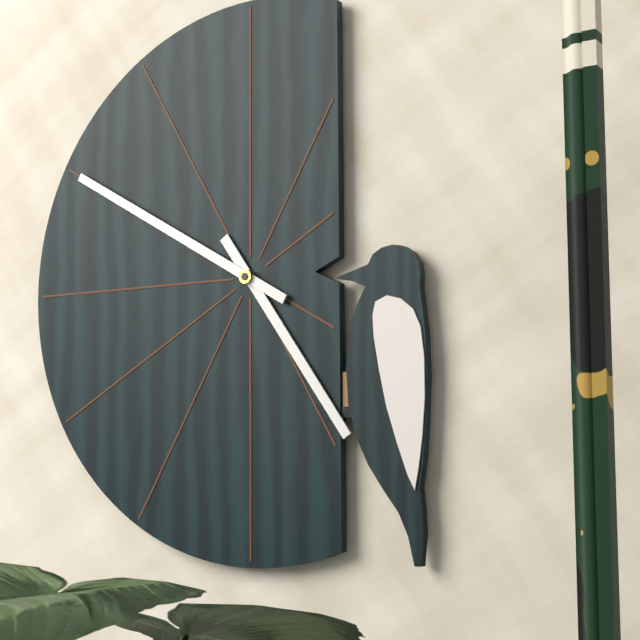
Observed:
4.50
